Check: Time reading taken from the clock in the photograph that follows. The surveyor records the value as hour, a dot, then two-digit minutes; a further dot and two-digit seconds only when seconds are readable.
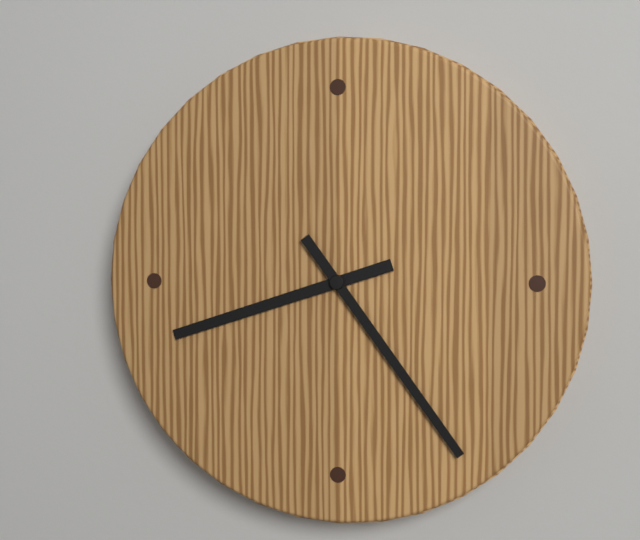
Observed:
8.24
